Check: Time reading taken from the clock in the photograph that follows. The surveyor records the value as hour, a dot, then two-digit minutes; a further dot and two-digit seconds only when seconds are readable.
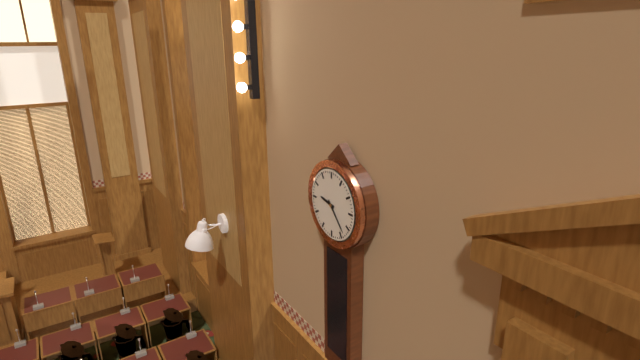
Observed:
9.23
